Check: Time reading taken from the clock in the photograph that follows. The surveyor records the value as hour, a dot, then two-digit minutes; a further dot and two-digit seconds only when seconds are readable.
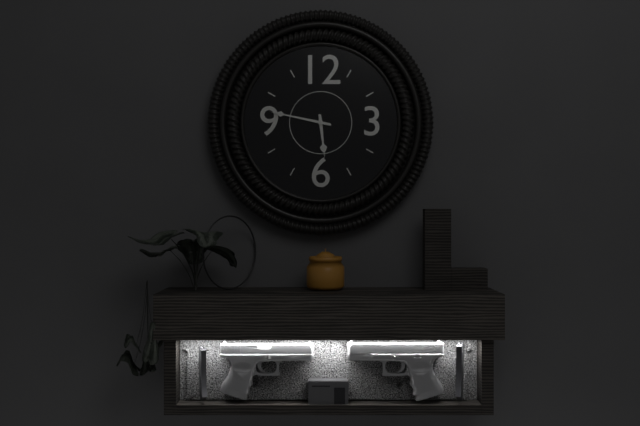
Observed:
5.47
